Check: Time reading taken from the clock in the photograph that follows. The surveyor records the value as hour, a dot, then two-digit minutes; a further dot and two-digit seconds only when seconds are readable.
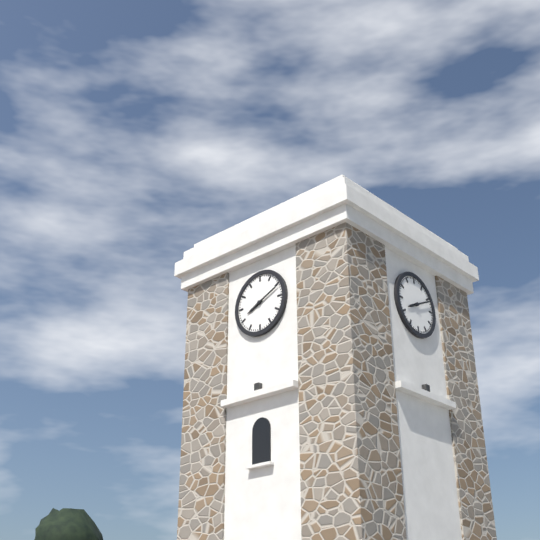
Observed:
8.11
